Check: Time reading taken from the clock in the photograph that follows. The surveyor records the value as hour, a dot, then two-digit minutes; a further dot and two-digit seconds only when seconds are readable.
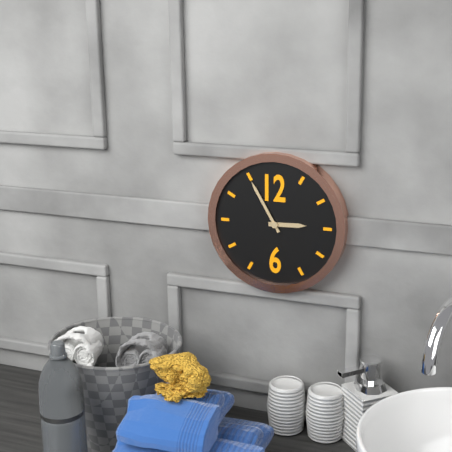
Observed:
2.55
